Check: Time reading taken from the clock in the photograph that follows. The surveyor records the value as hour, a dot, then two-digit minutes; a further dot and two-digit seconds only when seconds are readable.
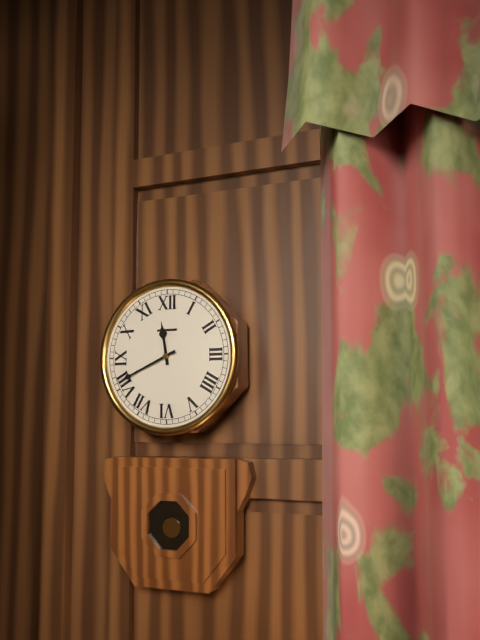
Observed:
11.41
